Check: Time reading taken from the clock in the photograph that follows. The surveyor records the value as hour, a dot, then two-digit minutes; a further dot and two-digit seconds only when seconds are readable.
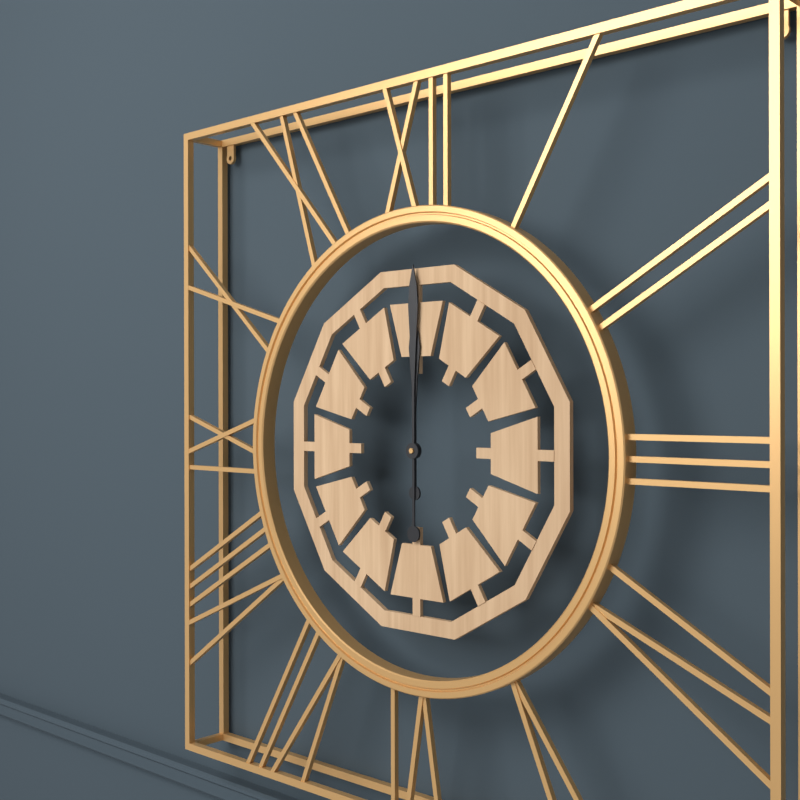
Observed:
12.00
